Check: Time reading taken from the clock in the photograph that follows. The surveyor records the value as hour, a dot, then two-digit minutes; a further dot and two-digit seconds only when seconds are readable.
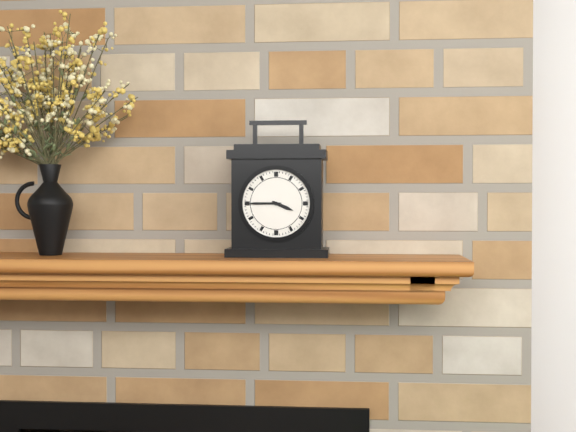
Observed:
3.45
